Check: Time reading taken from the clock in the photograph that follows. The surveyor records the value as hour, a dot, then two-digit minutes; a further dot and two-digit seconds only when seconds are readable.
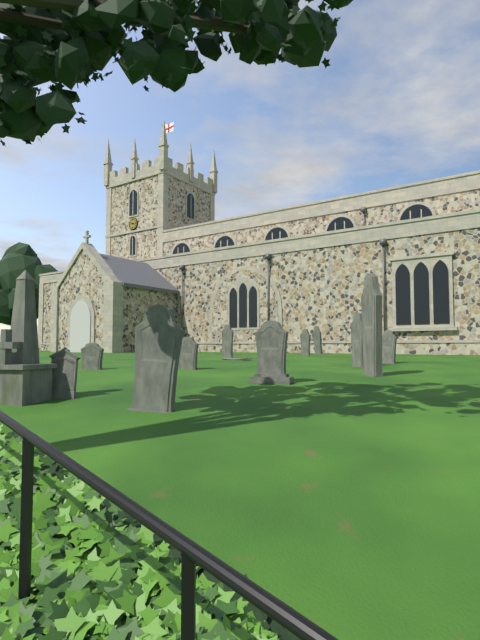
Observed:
2.50
